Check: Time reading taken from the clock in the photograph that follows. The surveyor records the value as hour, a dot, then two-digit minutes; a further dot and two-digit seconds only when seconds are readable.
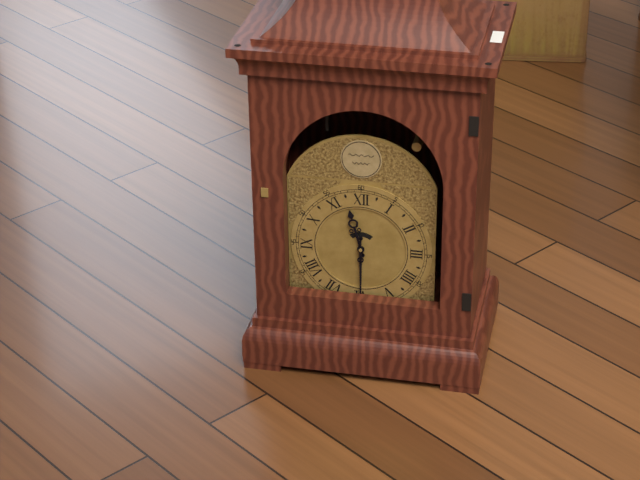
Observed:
11.30
